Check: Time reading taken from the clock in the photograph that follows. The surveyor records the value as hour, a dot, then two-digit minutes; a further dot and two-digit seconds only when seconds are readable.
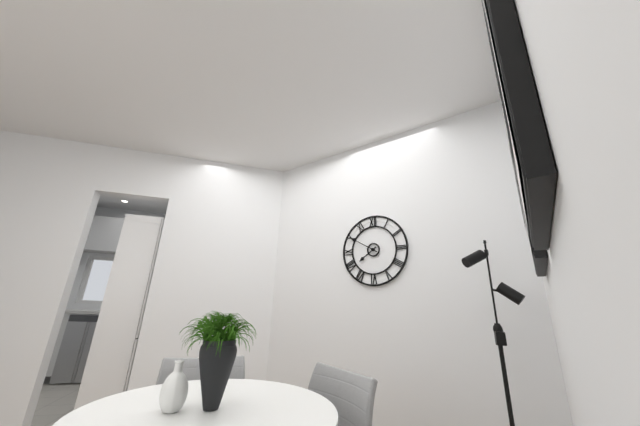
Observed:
7.50
